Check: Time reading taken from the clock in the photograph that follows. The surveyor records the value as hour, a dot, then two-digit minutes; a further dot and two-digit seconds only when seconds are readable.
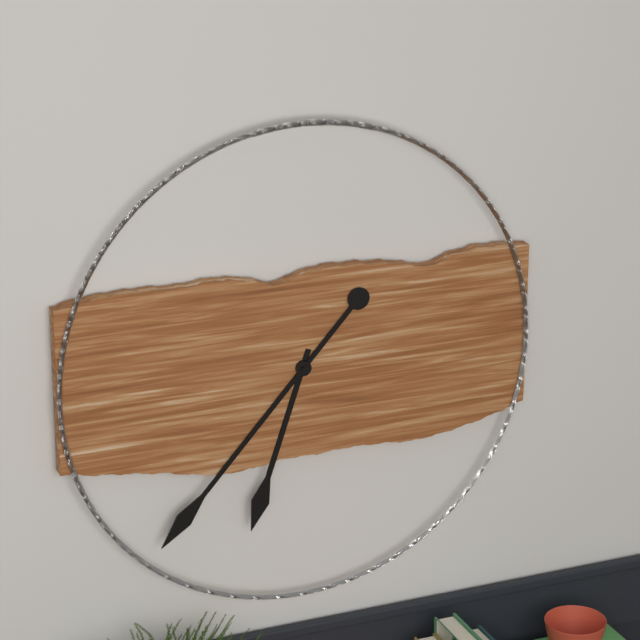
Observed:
6.37
